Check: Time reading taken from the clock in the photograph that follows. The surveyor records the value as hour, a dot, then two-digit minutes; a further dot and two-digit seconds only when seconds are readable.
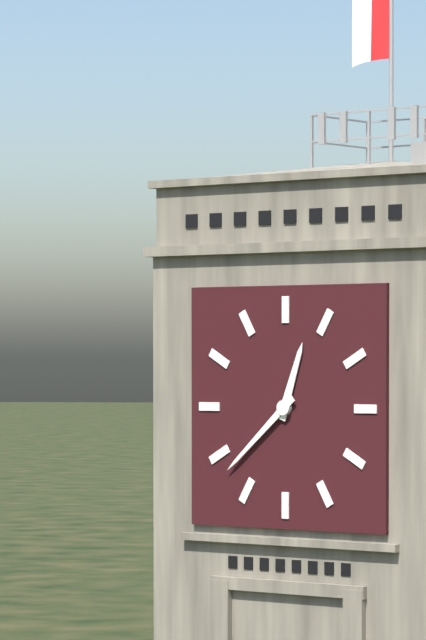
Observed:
12.38
